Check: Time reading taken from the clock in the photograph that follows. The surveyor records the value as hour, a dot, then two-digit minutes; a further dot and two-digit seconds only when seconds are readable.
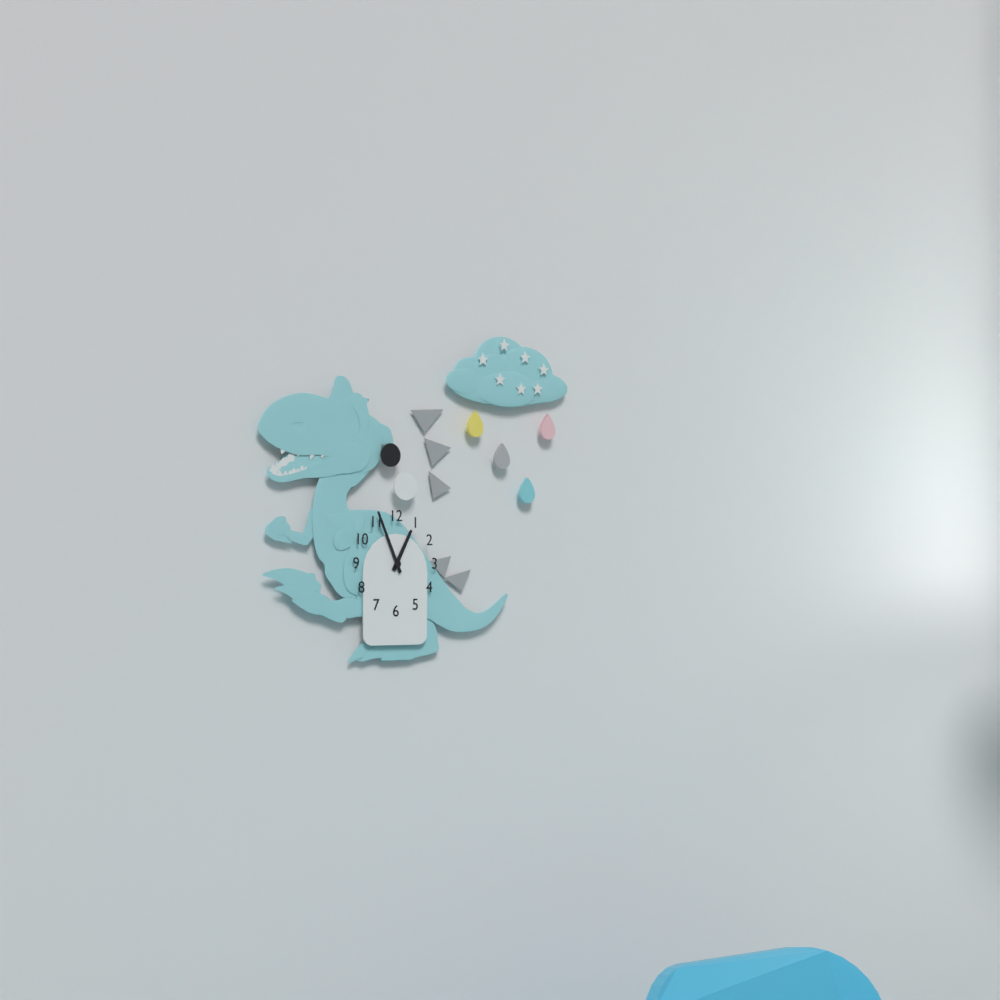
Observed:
12.56
